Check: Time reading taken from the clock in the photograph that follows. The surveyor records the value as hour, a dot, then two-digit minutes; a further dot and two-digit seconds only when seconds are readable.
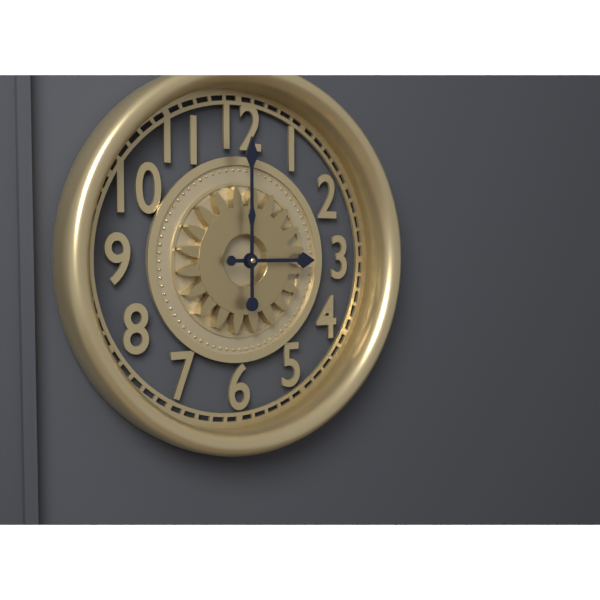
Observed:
3.00
